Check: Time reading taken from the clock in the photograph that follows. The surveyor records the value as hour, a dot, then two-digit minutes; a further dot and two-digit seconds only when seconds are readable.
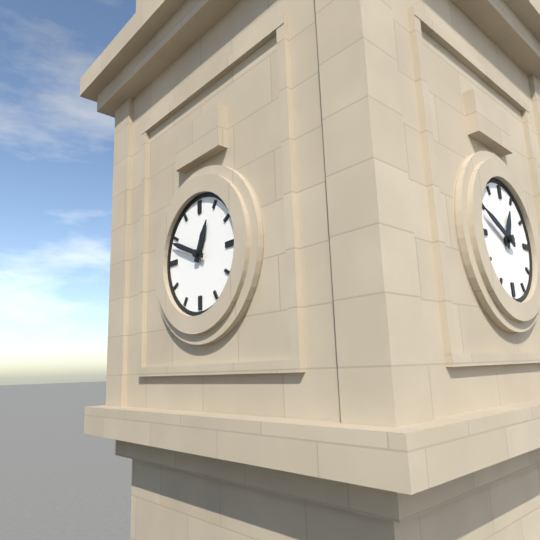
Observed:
12.49
